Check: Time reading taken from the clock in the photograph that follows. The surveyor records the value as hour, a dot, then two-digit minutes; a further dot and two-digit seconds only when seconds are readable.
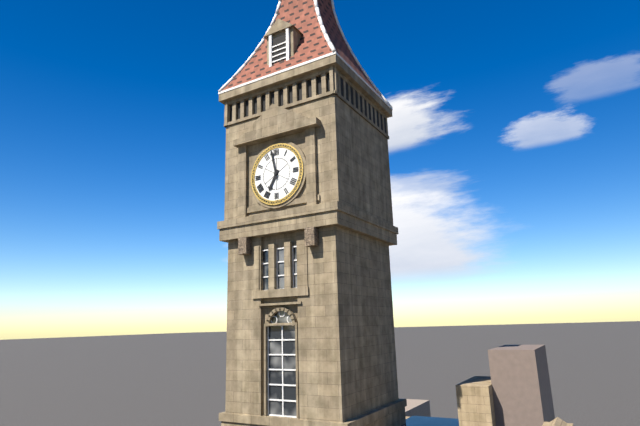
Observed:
6.58
